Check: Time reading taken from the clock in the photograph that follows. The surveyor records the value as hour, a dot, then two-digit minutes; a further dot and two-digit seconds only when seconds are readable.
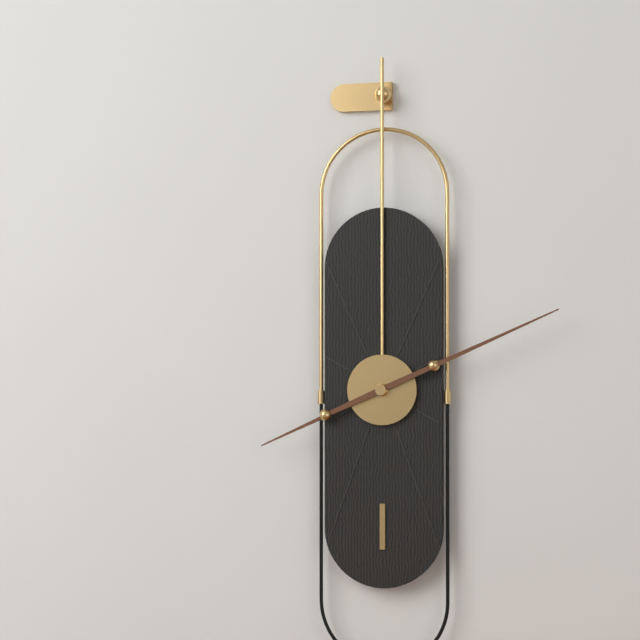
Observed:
8.11
